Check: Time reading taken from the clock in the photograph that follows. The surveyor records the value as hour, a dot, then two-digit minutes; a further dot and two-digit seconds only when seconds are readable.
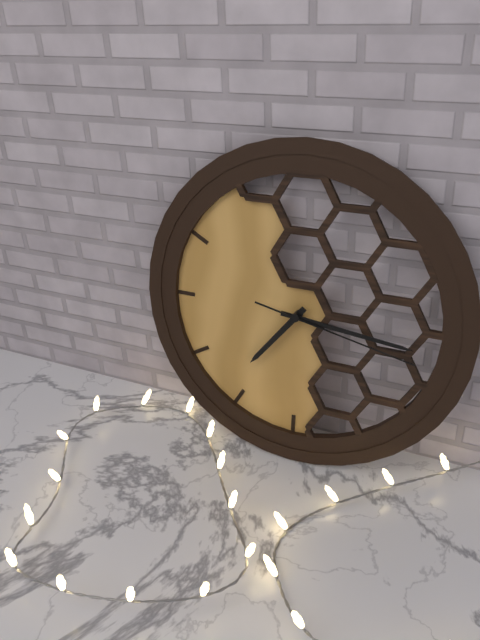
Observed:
7.16.17
